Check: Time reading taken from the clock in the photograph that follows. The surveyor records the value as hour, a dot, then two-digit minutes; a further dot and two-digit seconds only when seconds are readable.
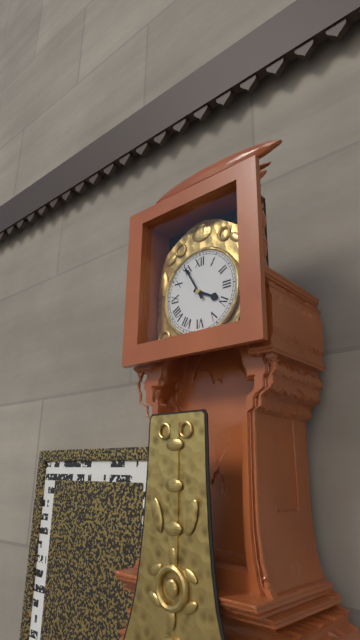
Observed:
3.55
